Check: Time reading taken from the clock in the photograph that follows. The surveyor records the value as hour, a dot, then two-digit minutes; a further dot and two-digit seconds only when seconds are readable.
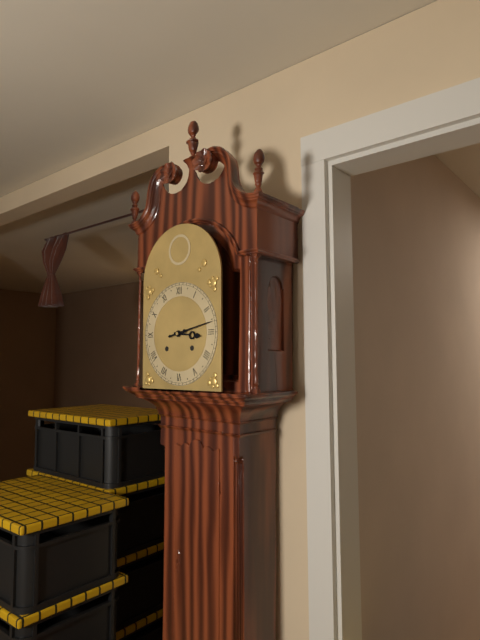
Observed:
3.13
